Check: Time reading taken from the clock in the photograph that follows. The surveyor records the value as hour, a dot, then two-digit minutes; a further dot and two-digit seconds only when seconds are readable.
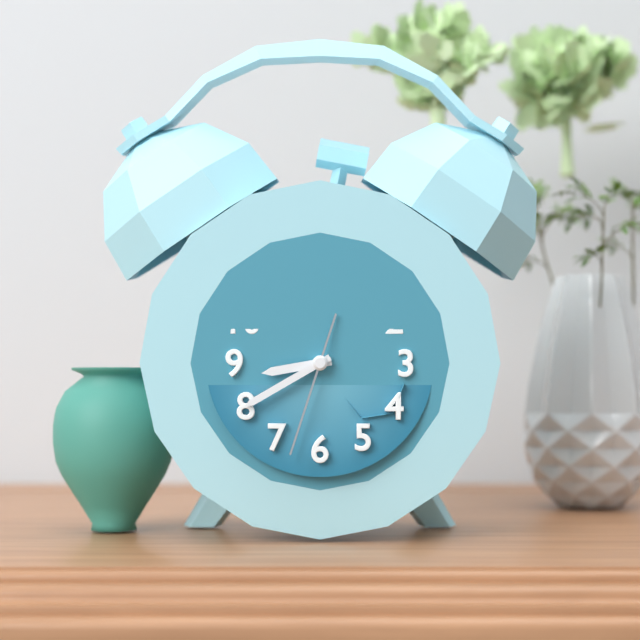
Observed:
8.40.33
